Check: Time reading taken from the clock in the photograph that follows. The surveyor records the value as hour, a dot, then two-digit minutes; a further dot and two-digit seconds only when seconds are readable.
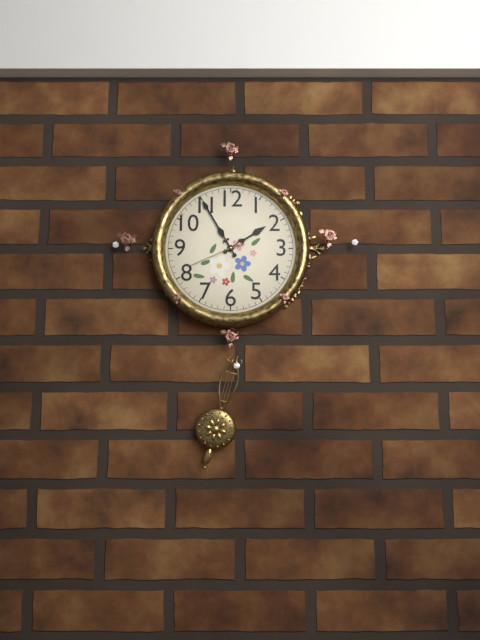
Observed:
1.55.41
